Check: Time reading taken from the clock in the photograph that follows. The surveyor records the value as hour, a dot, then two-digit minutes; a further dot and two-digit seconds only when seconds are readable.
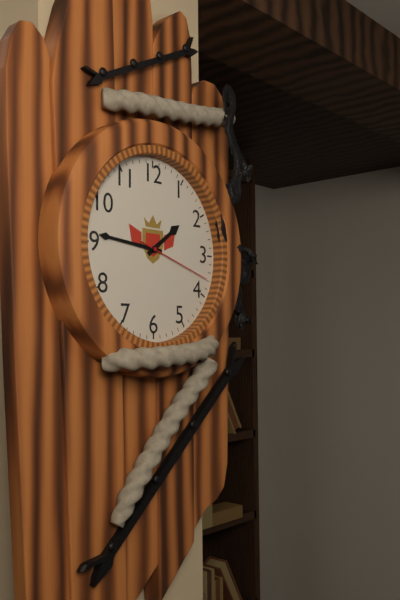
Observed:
1.46.18
